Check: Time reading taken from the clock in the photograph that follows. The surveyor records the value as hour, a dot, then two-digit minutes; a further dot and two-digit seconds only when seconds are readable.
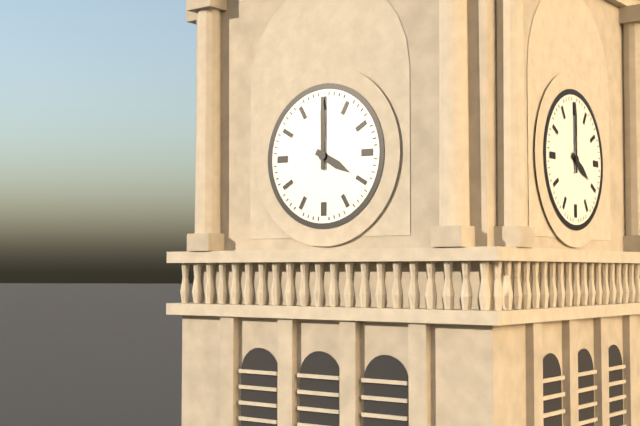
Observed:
4.00
